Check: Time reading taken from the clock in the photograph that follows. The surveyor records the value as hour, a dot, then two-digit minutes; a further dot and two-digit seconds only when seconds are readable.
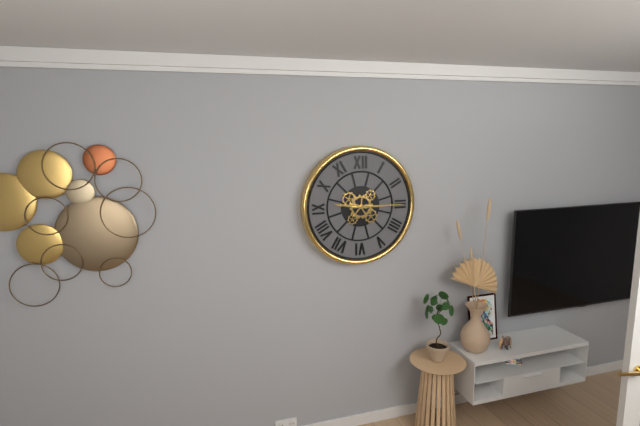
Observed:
9.15
